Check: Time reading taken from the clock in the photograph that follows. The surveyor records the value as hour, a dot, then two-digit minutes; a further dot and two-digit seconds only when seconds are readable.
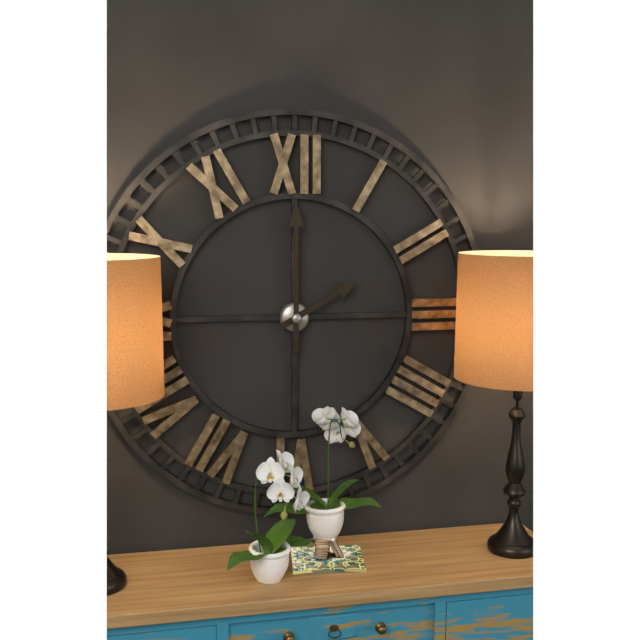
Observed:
2.00
